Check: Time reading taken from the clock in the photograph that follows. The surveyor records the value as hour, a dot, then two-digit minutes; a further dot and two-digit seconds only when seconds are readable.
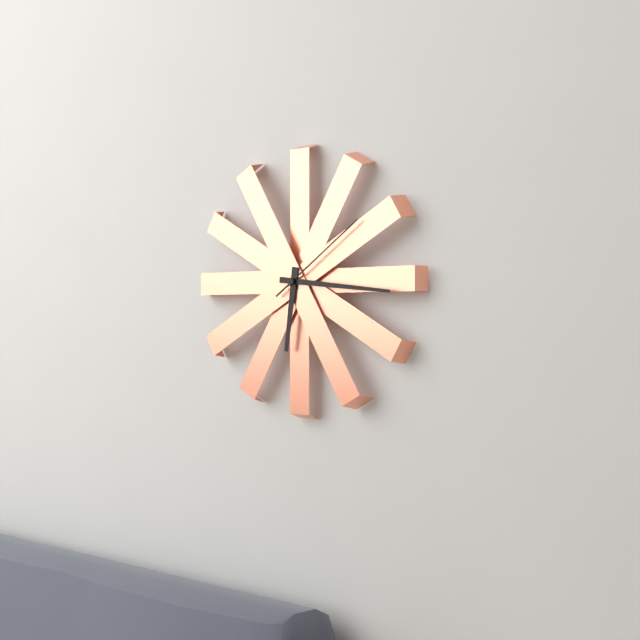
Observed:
6.16.09
